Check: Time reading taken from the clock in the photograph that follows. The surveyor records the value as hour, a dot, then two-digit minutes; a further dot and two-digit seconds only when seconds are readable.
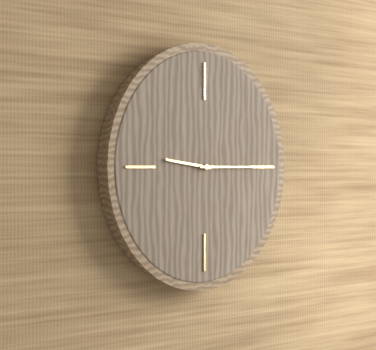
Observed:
9.15
